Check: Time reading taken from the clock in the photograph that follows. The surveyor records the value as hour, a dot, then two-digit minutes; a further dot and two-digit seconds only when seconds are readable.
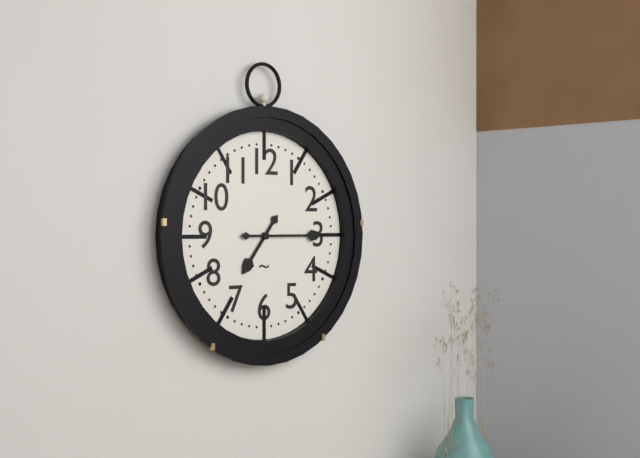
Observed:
7.15
